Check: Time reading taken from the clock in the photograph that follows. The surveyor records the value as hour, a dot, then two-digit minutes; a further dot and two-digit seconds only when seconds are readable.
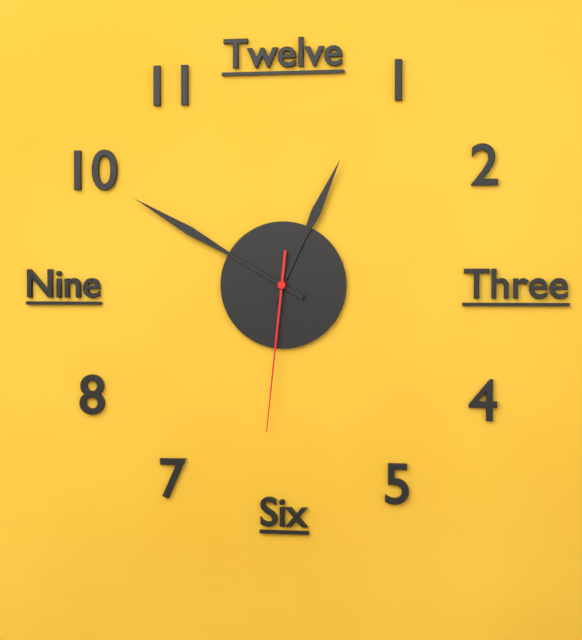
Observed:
12.50.31
